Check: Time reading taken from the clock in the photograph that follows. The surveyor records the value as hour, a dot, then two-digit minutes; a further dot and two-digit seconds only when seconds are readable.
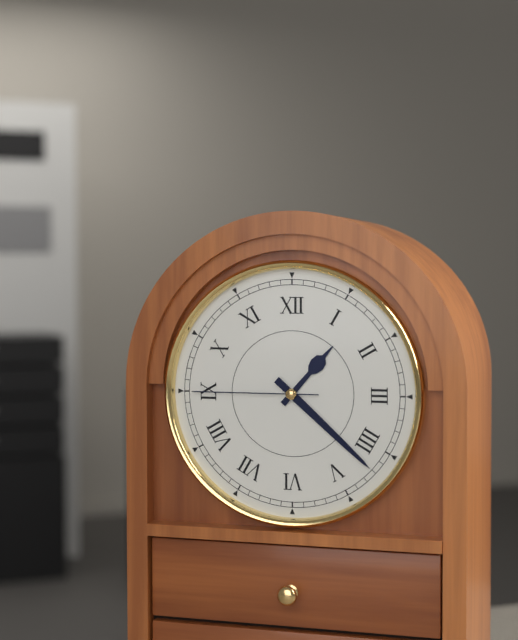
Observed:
1.22.45
